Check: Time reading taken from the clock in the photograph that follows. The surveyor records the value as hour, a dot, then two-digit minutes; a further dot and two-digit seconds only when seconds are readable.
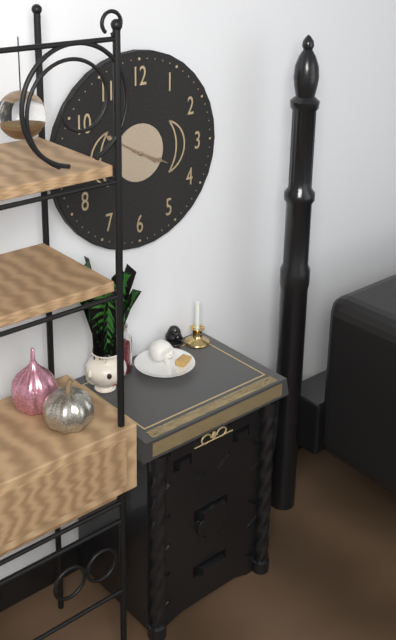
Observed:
3.50
